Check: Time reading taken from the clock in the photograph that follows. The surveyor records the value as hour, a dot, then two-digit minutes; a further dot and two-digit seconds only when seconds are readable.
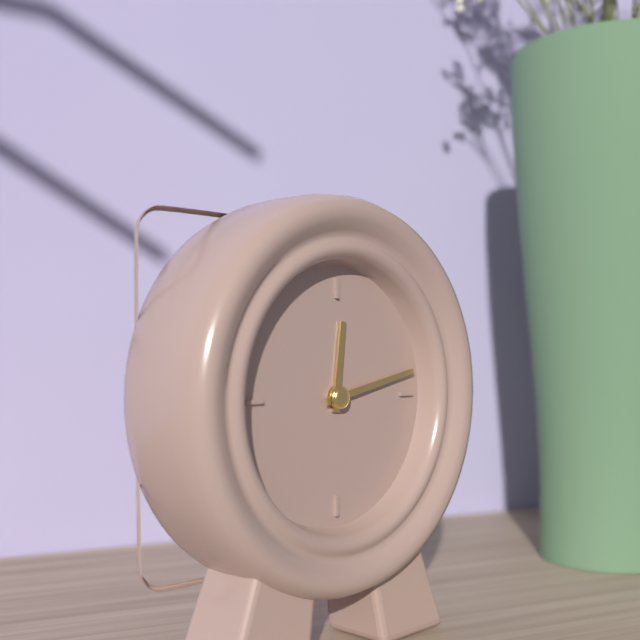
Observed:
12.13
